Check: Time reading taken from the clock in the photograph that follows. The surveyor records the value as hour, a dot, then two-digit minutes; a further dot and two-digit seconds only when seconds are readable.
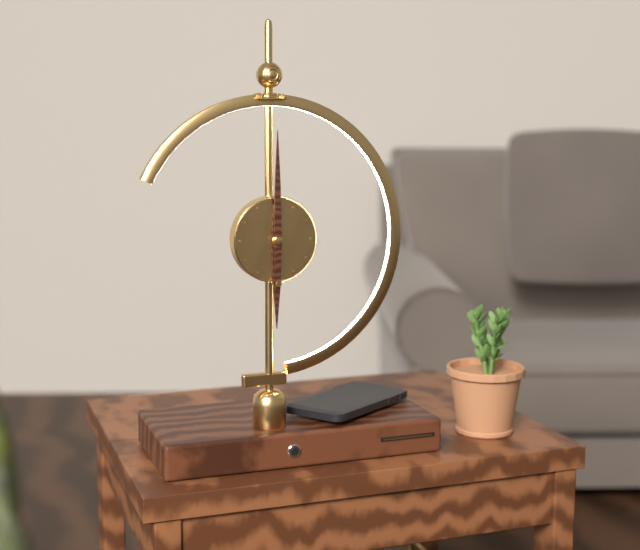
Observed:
6.00
